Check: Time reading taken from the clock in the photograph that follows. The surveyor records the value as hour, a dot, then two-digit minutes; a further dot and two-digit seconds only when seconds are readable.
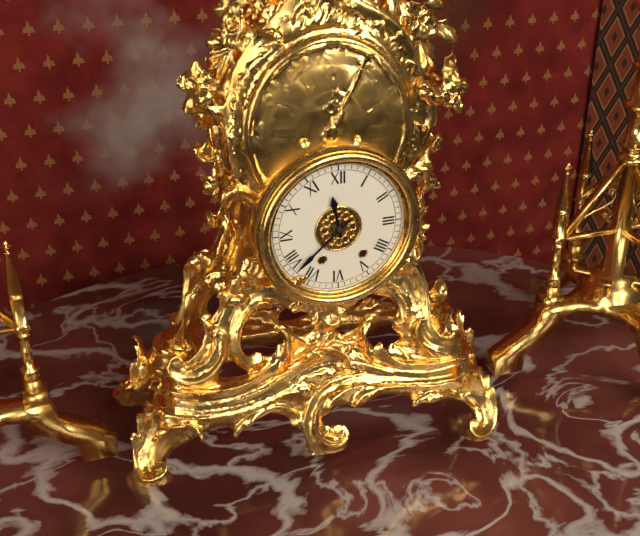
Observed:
11.38
